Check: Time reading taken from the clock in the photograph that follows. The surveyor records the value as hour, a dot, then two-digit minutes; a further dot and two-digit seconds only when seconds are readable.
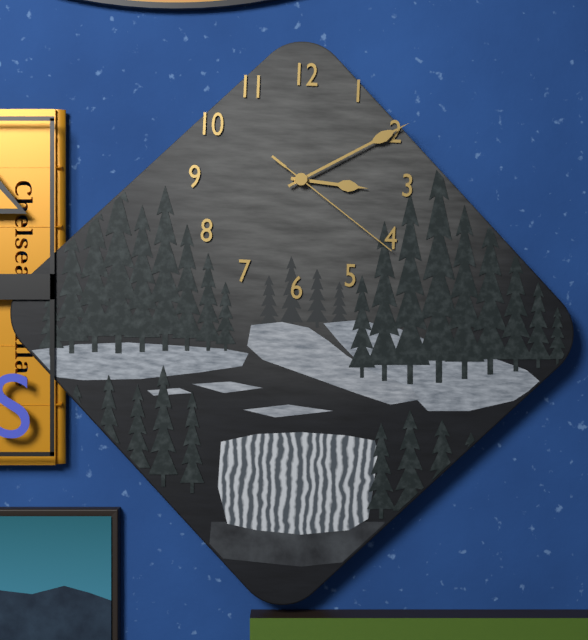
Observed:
3.10.21
